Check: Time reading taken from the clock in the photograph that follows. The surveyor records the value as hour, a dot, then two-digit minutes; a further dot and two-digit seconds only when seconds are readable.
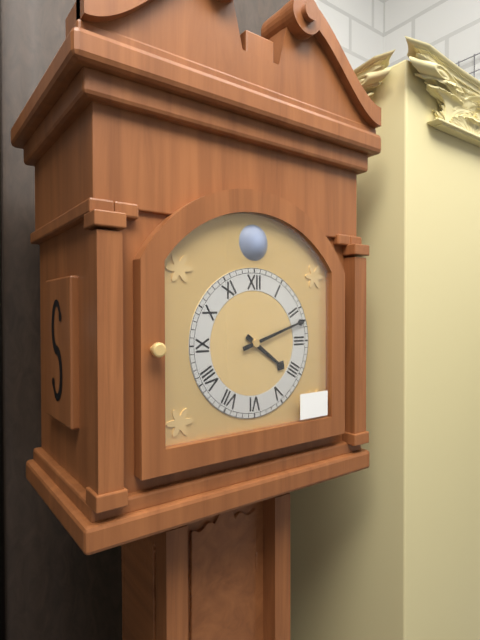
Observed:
4.12
